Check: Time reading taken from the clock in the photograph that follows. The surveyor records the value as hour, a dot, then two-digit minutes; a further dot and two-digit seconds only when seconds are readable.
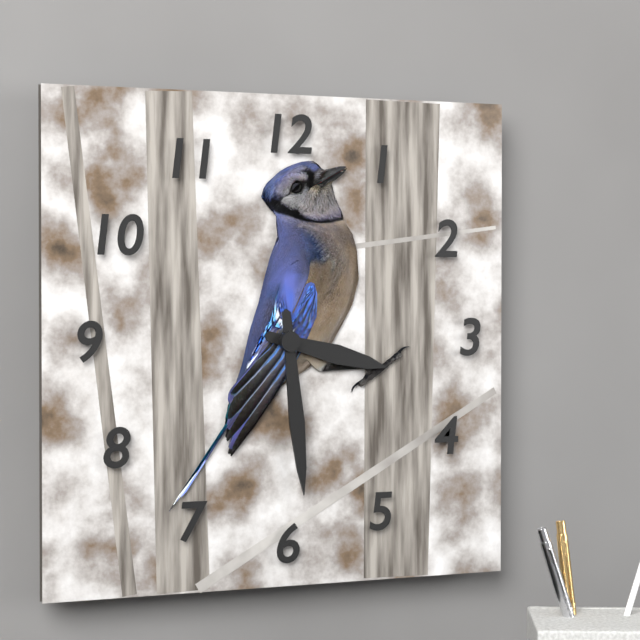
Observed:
3.29
